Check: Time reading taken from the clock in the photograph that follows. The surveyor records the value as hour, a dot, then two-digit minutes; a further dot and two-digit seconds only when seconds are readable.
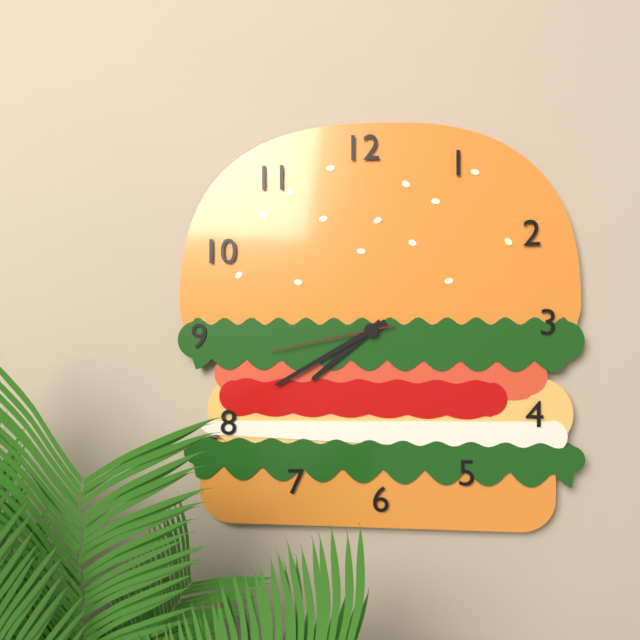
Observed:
7.40.43
